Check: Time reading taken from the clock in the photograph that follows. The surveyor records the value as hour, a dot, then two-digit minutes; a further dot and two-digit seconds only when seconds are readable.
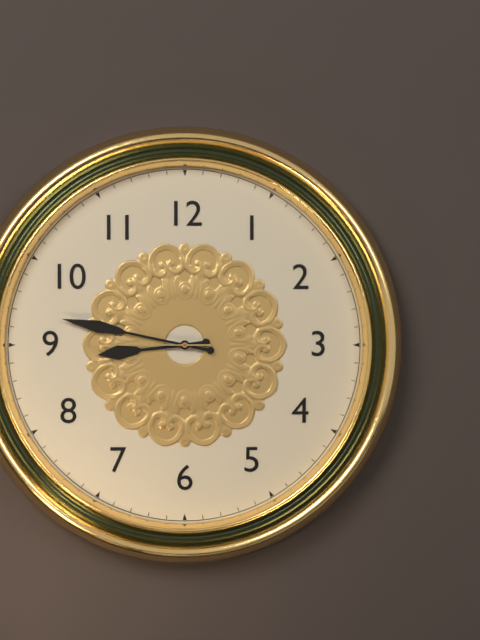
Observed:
8.47.45
